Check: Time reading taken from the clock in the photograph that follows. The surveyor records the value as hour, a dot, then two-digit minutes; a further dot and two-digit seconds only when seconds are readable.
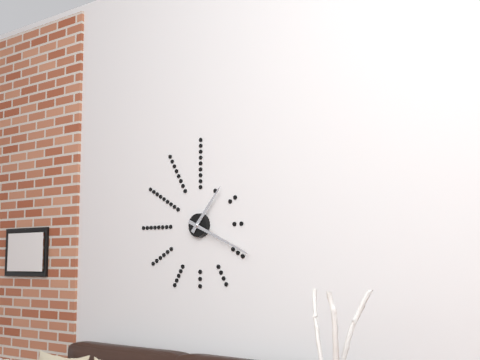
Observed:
1.19
